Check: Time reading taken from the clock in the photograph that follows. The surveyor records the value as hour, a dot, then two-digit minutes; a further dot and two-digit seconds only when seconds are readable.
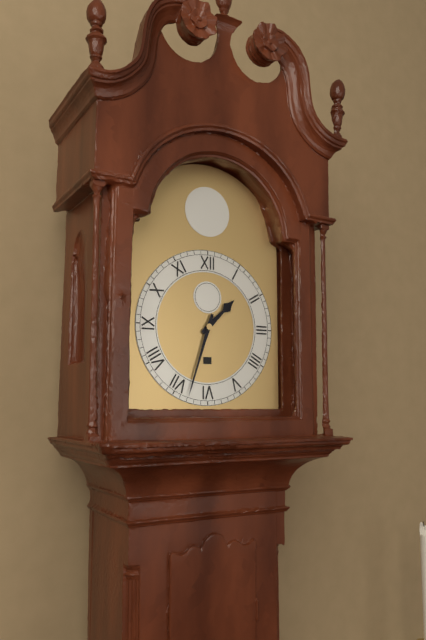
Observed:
1.33
